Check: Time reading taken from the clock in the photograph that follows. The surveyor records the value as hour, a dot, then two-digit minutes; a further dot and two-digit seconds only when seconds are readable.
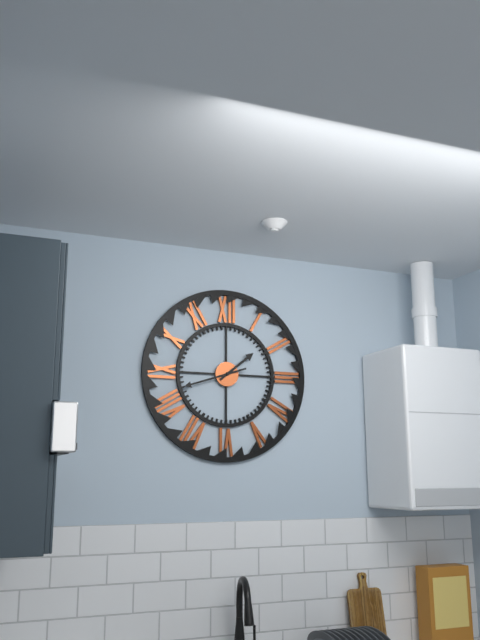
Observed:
1.42
